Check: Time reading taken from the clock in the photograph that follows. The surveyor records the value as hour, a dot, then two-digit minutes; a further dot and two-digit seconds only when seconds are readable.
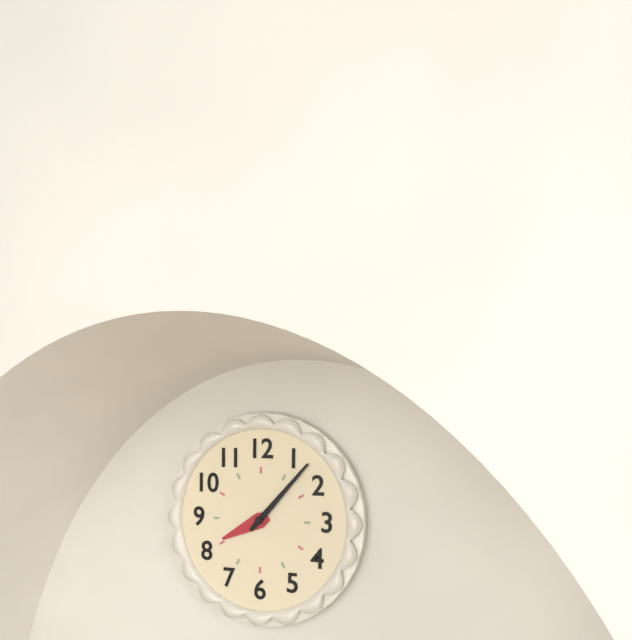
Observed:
8.07
